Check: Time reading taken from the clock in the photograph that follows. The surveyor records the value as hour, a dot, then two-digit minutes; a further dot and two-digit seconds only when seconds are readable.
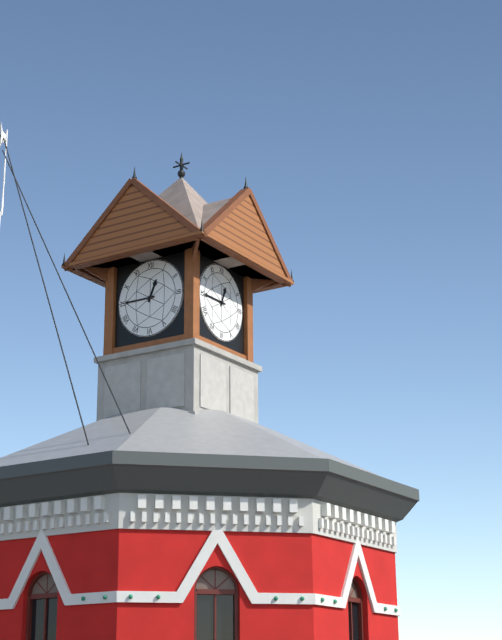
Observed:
12.45
